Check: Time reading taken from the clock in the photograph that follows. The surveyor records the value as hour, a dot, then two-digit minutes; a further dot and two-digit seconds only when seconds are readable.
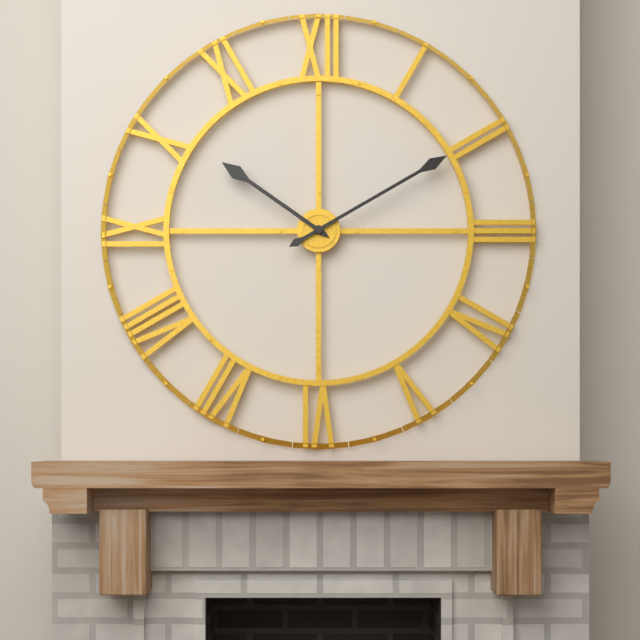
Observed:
10.10
